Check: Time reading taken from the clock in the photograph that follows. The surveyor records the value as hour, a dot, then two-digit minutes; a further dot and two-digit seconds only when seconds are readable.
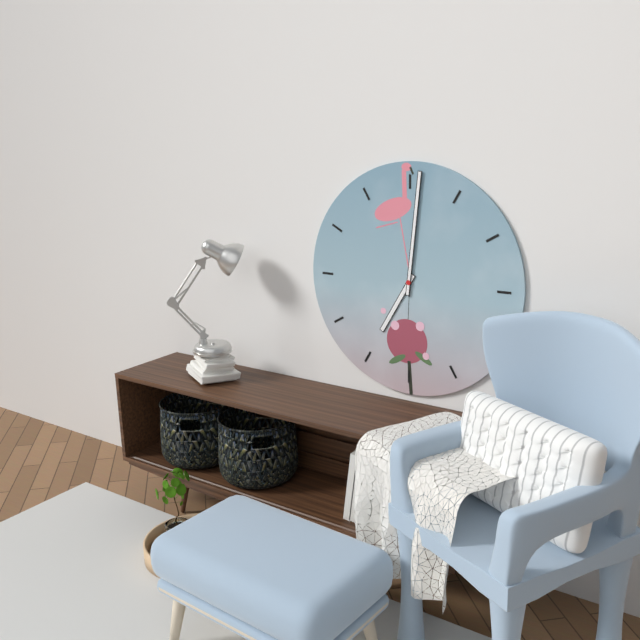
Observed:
7.01
